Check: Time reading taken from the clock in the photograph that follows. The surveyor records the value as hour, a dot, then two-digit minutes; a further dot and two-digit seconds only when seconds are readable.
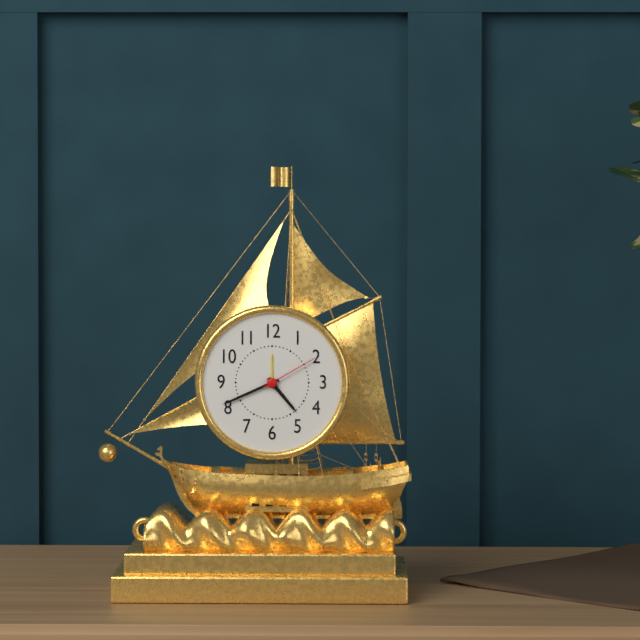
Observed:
4.41.10
